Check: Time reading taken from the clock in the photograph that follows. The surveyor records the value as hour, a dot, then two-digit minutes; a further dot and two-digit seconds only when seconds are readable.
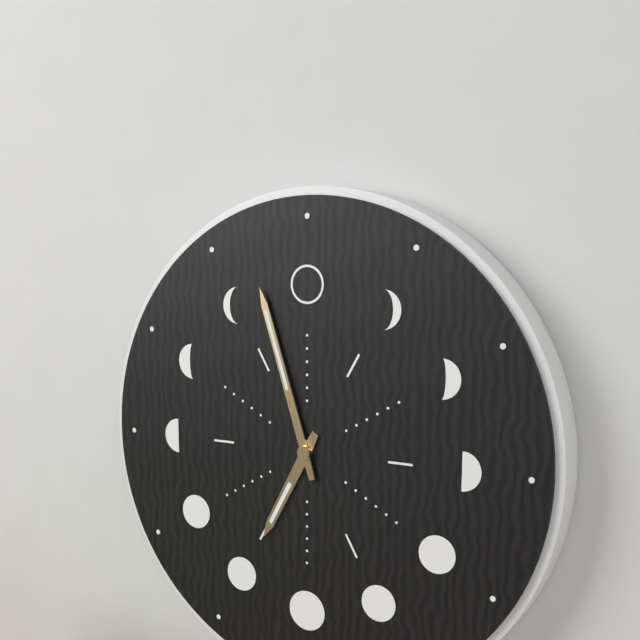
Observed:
6.57
